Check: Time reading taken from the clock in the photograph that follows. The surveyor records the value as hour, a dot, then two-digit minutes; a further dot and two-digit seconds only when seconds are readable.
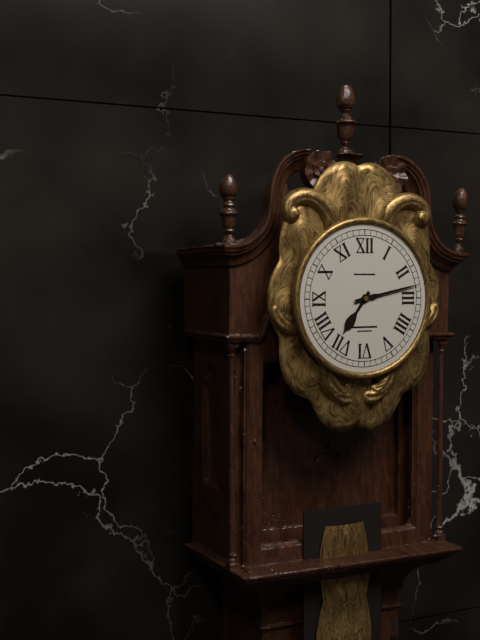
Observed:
7.13
